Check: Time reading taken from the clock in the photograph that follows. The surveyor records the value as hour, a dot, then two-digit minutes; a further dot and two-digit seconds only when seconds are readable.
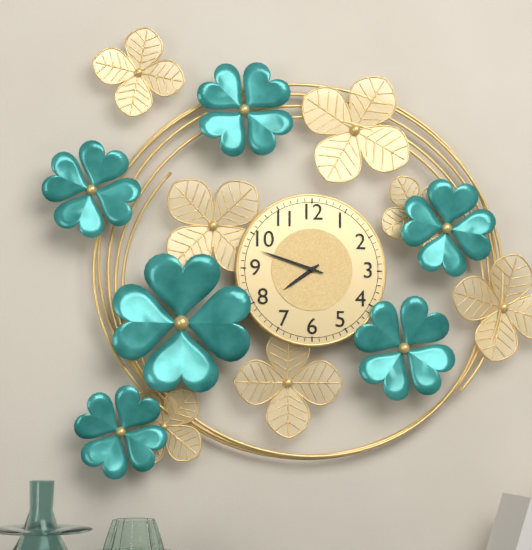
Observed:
7.48
